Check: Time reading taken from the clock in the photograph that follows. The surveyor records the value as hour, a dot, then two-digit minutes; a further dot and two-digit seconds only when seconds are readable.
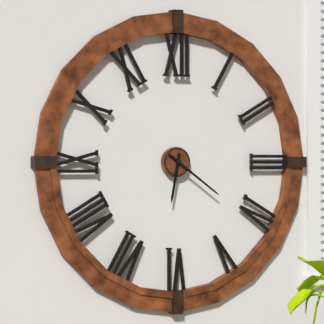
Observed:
6.21
